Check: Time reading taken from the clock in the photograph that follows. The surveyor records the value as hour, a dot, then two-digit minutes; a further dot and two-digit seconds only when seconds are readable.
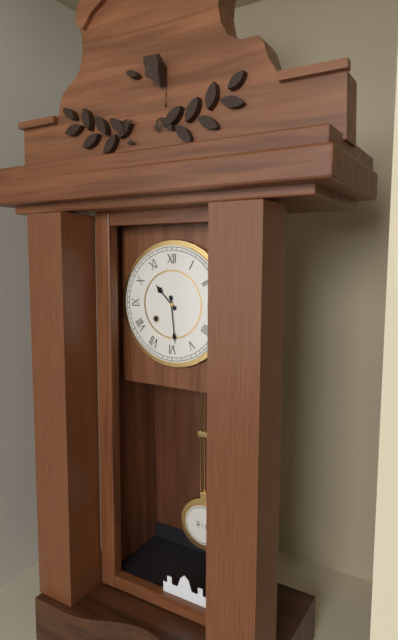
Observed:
10.29
